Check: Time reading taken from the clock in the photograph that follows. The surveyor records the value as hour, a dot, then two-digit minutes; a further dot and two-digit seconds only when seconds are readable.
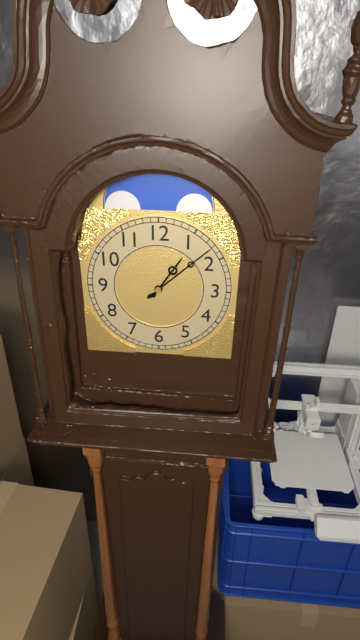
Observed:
1.08
